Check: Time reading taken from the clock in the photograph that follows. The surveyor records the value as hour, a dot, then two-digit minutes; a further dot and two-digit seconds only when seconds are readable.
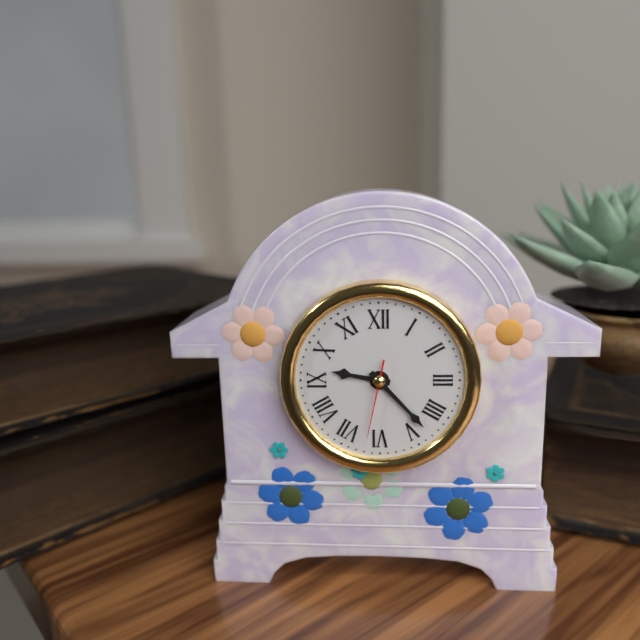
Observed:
9.23.32
